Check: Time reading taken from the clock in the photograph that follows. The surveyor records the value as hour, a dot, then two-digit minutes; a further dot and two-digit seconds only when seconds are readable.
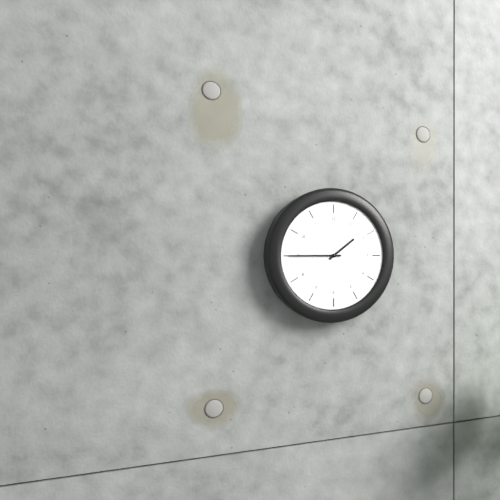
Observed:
1.45
